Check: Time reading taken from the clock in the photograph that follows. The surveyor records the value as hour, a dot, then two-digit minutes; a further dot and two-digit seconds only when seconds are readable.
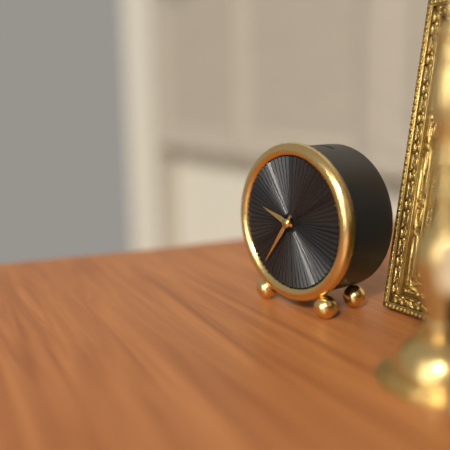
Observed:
9.36
